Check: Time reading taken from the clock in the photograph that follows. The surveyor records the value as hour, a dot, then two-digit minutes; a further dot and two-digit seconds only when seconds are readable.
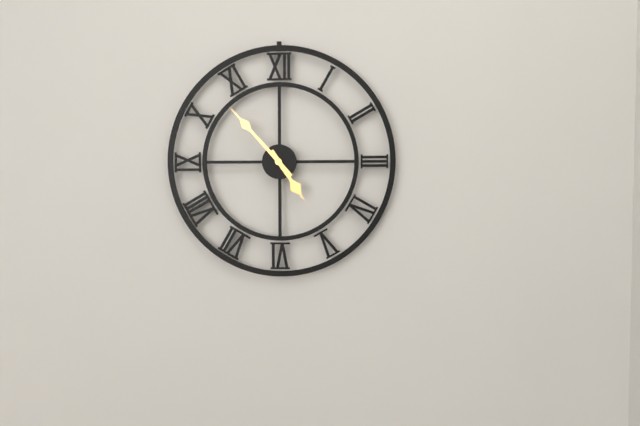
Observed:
4.53
